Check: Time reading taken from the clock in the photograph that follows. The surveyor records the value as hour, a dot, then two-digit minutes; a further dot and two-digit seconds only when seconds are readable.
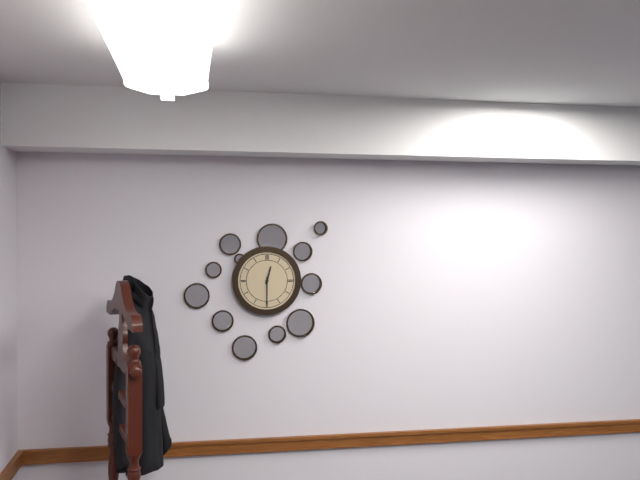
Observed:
12.30
